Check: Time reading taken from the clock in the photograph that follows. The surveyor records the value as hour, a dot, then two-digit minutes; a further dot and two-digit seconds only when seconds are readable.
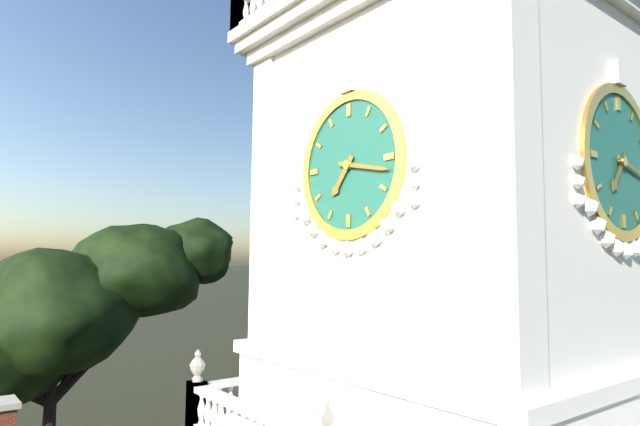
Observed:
7.17
